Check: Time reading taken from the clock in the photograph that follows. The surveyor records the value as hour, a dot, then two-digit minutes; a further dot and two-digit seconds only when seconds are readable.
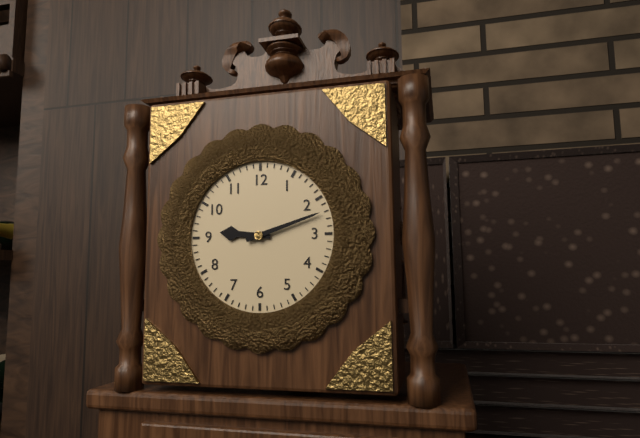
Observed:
9.12
